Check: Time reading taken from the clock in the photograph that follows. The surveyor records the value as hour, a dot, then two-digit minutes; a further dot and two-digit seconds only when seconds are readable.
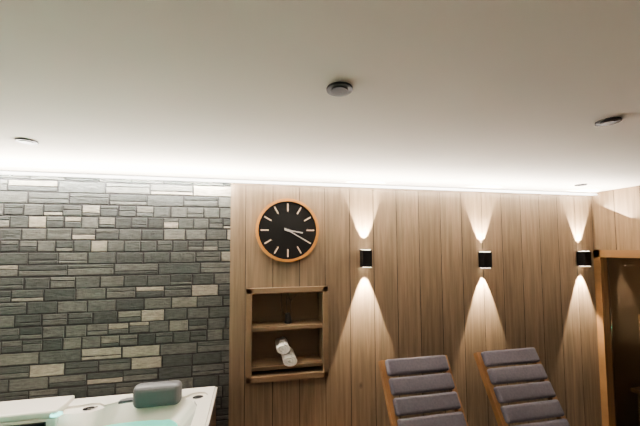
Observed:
3.20
